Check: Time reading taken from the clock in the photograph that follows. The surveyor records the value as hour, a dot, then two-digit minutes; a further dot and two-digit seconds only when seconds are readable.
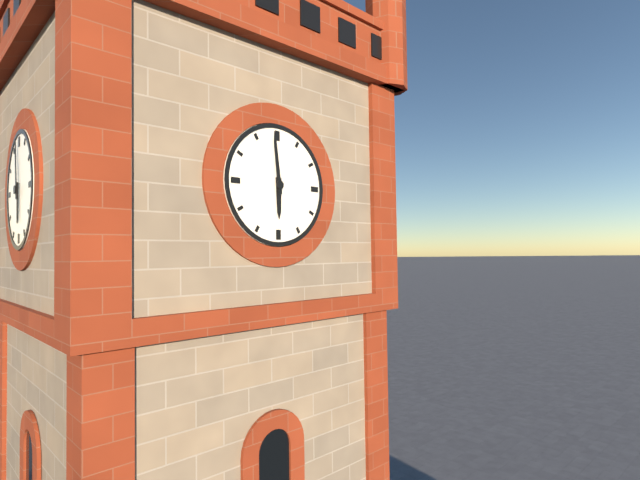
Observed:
5.59
